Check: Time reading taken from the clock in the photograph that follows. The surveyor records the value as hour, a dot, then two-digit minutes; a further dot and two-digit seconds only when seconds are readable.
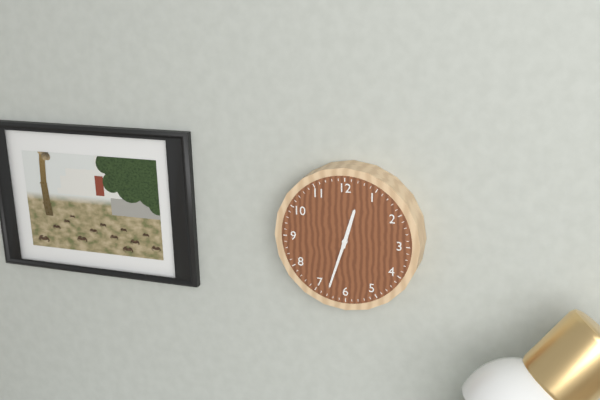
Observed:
12.33
